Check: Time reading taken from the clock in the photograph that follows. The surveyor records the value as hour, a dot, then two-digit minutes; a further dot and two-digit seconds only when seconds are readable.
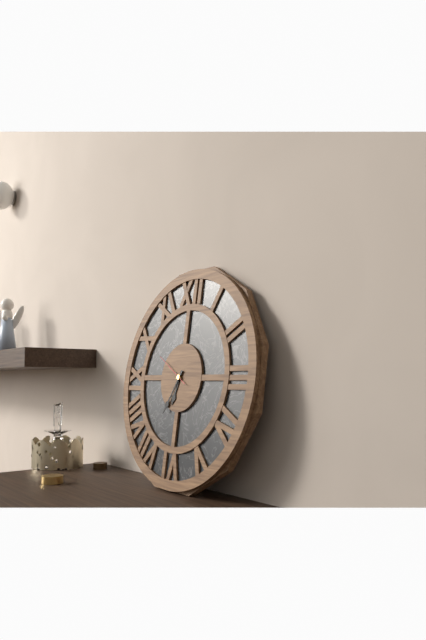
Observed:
6.35
